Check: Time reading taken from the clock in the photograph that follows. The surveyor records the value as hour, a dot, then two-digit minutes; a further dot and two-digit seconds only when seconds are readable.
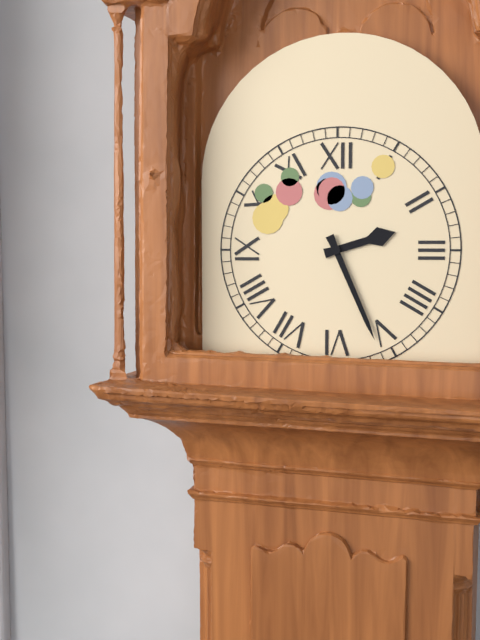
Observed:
2.26
